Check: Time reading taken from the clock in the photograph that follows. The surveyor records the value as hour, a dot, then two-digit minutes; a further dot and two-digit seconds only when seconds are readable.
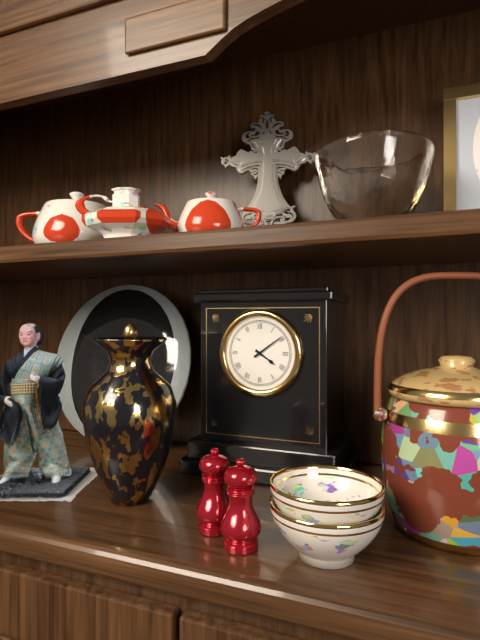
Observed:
4.09
